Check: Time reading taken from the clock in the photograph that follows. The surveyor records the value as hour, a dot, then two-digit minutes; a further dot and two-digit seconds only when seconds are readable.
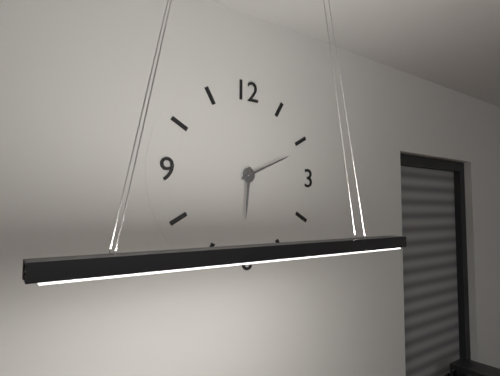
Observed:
6.11
